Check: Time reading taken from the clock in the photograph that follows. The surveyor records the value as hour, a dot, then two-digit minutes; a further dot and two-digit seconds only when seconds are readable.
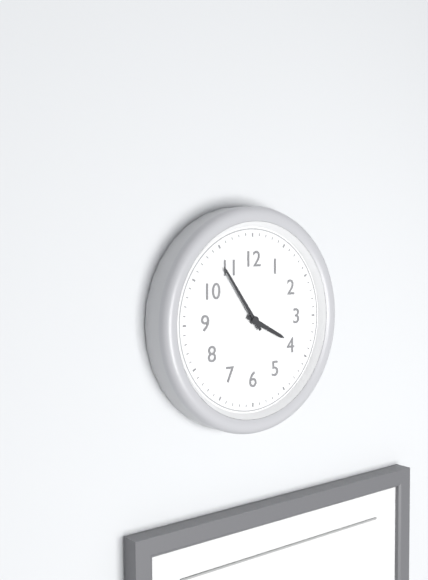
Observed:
3.54
